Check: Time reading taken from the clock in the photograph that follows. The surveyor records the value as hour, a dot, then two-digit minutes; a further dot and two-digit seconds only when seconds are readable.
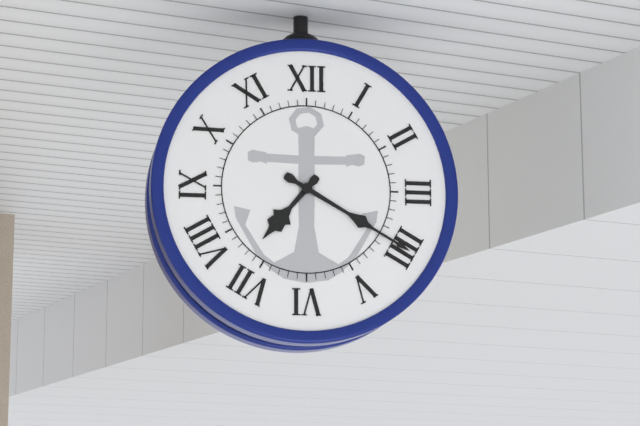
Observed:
7.20
